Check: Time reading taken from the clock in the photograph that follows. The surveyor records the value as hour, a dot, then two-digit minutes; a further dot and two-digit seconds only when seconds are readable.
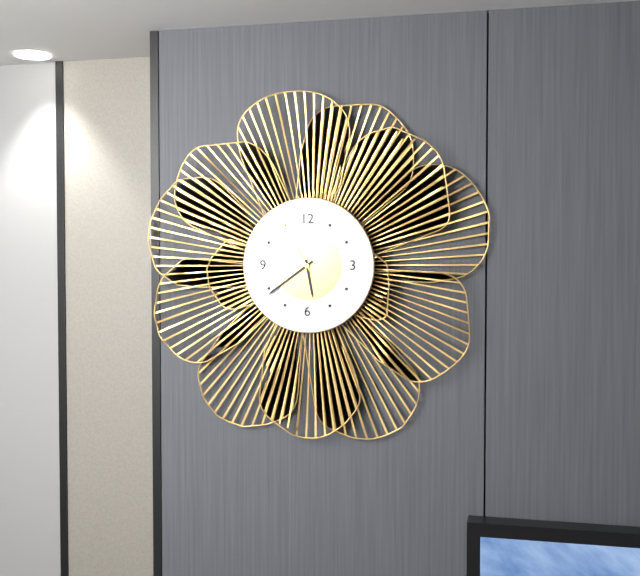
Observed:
5.39.55
